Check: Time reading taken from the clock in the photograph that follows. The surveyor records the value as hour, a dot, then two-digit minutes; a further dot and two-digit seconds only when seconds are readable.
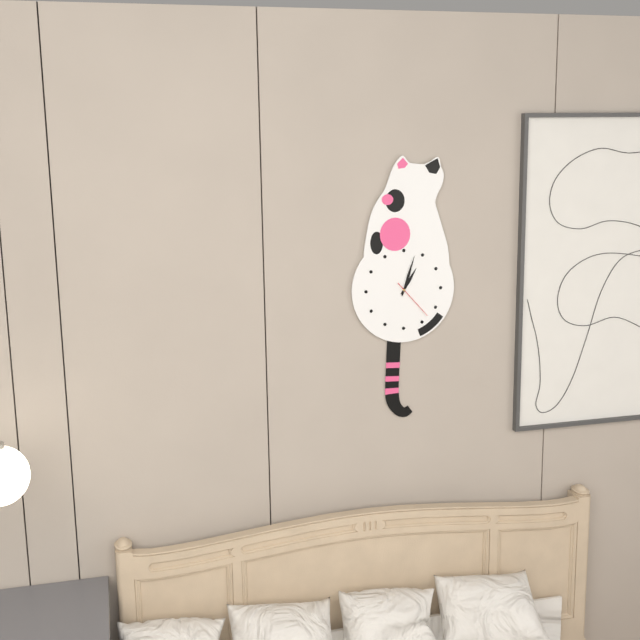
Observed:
1.03
